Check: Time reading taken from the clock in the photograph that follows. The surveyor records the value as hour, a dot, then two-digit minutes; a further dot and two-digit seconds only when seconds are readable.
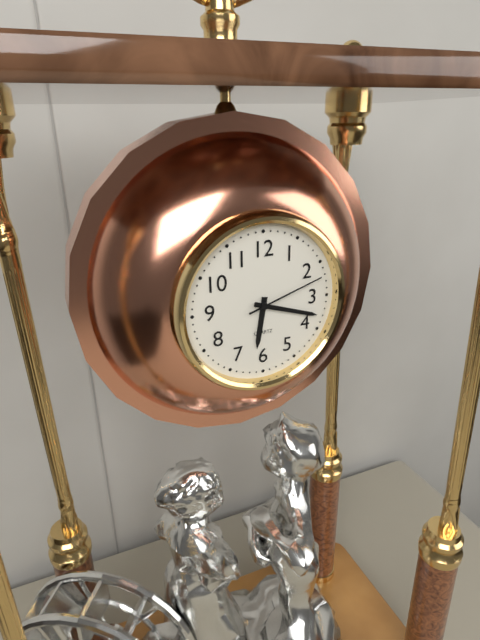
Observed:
6.18.12
